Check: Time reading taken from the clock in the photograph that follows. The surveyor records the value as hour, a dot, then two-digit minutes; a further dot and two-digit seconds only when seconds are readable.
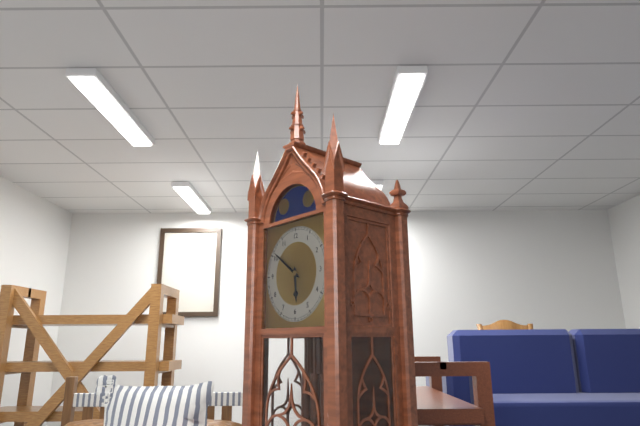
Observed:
5.51
